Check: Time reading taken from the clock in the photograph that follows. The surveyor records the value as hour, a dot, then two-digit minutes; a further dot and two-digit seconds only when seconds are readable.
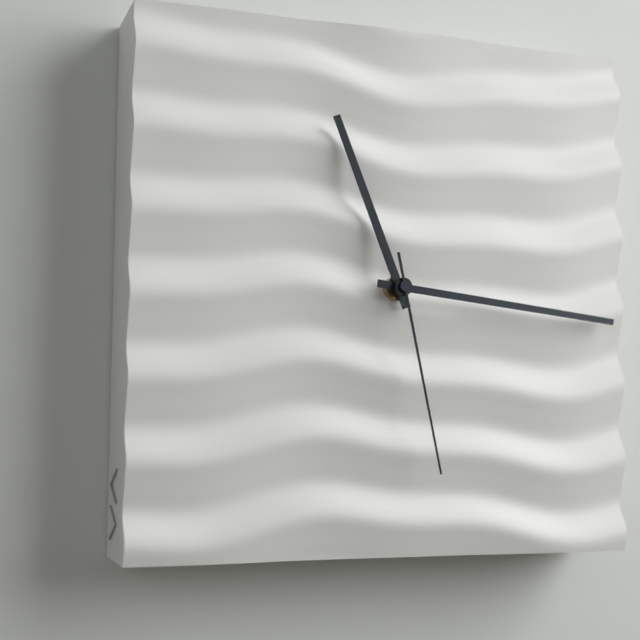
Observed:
11.16.28
